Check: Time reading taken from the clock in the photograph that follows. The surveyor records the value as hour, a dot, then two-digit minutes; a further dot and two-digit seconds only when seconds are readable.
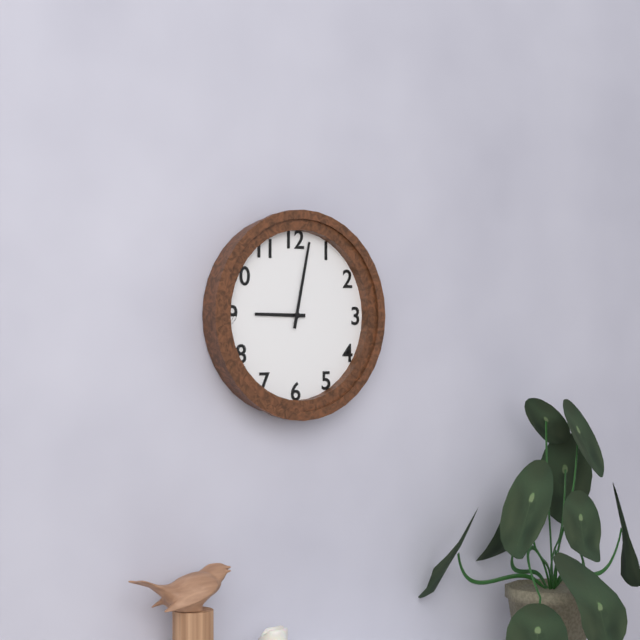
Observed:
9.02
